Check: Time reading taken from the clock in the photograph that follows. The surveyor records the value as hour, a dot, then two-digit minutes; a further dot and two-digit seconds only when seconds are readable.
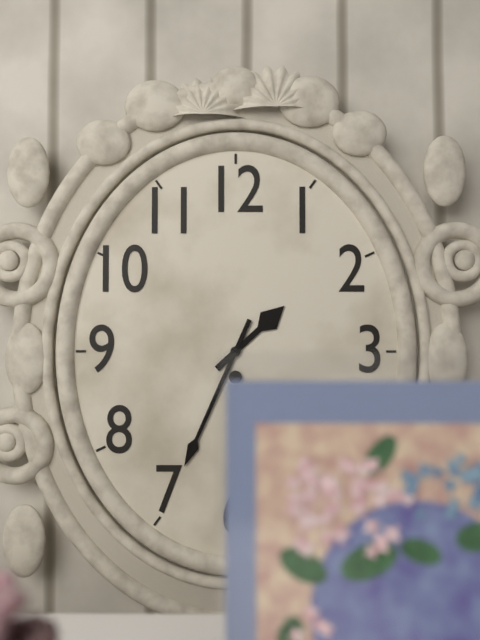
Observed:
1.34
